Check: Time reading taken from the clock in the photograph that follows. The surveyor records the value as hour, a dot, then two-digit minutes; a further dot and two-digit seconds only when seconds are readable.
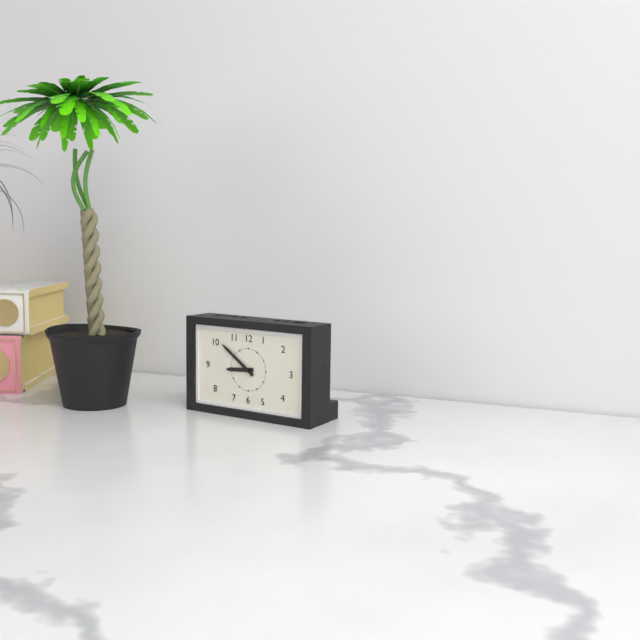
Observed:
8.51
